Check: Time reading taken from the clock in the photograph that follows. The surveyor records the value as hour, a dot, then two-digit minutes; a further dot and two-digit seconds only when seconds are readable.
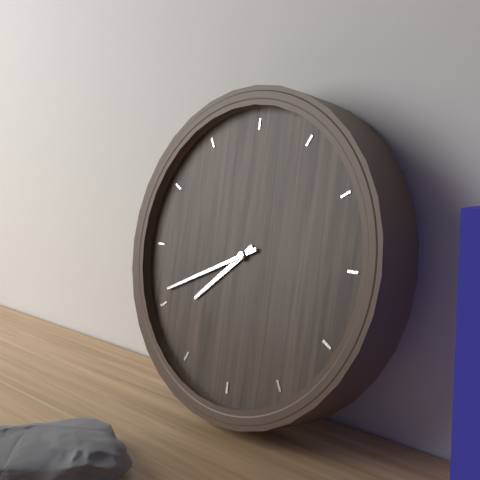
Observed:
7.41
